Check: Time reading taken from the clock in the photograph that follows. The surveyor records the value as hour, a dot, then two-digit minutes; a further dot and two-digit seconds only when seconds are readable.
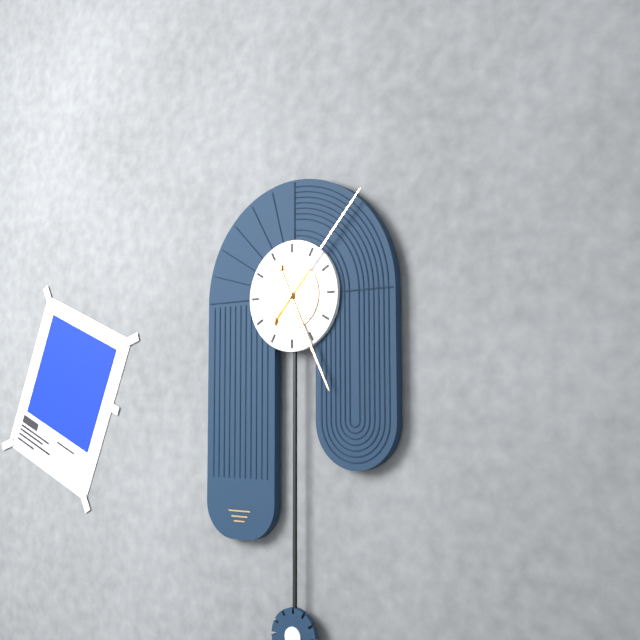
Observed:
5.07
